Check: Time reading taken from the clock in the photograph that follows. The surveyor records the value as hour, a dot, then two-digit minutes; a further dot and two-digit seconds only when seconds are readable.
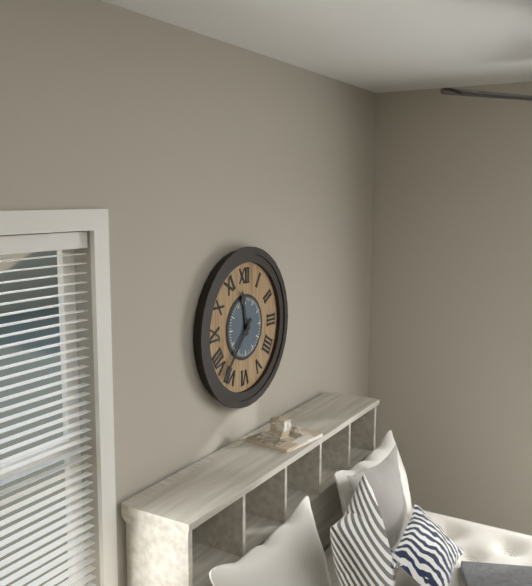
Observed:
11.37
